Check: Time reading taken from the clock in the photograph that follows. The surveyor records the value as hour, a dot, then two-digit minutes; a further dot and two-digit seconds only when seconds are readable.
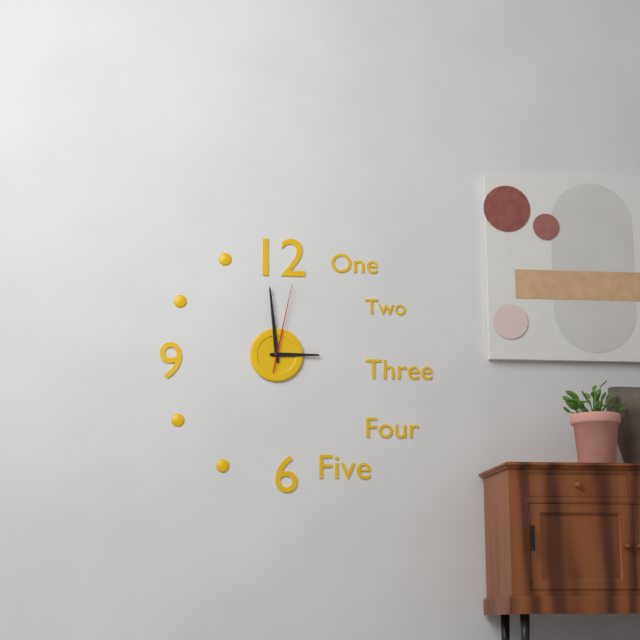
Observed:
2.59.02
